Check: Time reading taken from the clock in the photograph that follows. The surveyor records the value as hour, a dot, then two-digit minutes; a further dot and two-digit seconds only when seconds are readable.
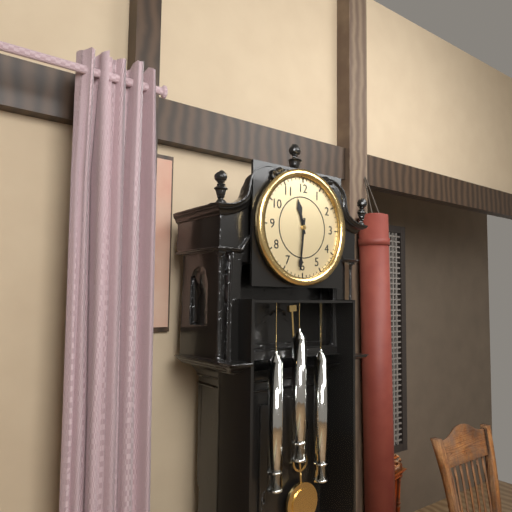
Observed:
11.31
